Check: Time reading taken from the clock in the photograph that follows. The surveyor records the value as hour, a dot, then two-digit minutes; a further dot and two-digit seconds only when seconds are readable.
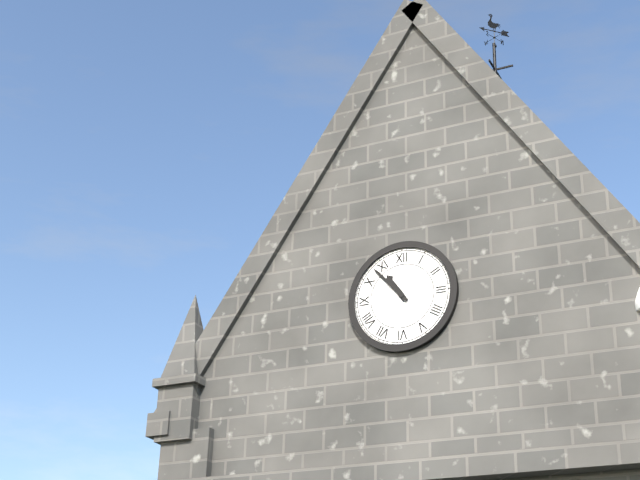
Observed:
10.53
